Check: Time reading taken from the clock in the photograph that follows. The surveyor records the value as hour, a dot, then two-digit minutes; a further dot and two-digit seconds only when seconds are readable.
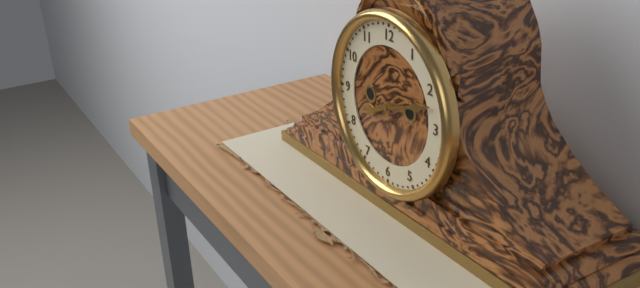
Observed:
8.12
